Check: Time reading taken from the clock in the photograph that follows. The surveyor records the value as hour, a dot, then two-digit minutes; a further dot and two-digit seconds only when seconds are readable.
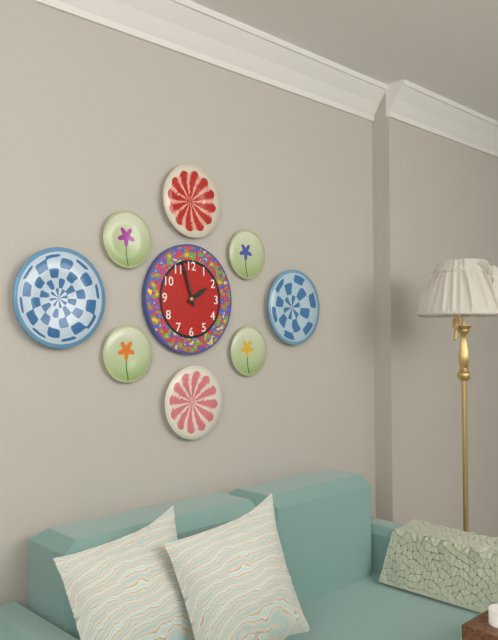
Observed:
1.57
